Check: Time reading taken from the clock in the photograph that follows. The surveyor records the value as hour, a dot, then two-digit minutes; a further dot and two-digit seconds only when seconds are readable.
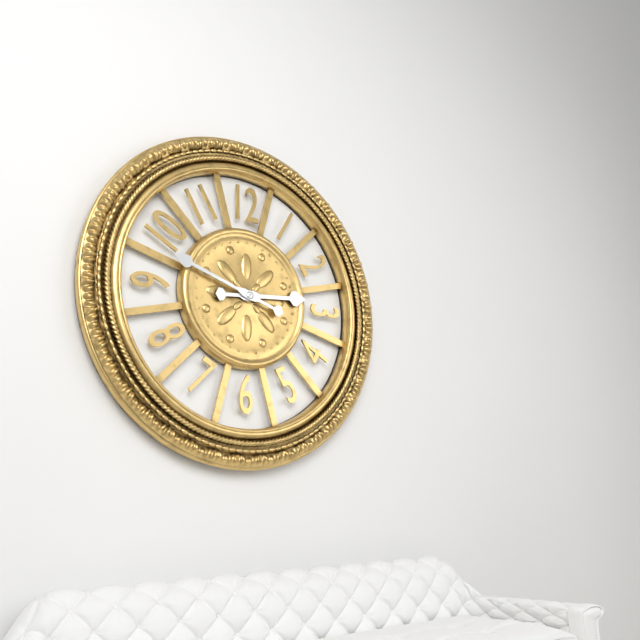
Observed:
2.48
